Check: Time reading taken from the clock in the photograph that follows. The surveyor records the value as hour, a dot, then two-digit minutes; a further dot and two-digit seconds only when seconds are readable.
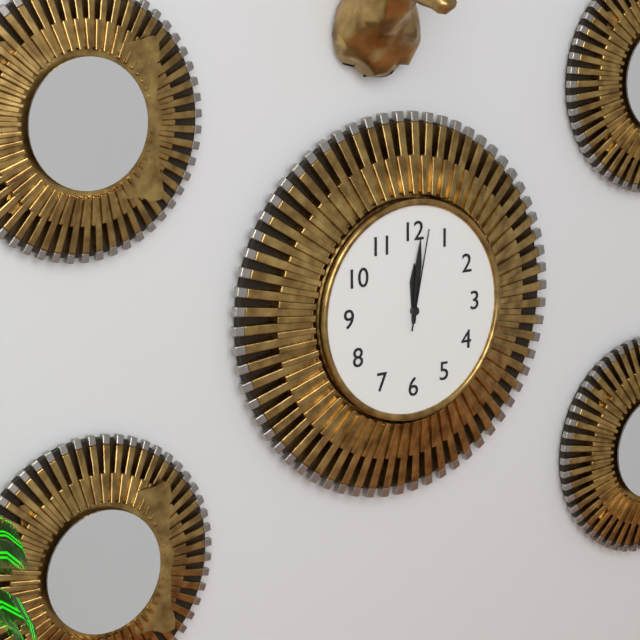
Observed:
12.01.02
